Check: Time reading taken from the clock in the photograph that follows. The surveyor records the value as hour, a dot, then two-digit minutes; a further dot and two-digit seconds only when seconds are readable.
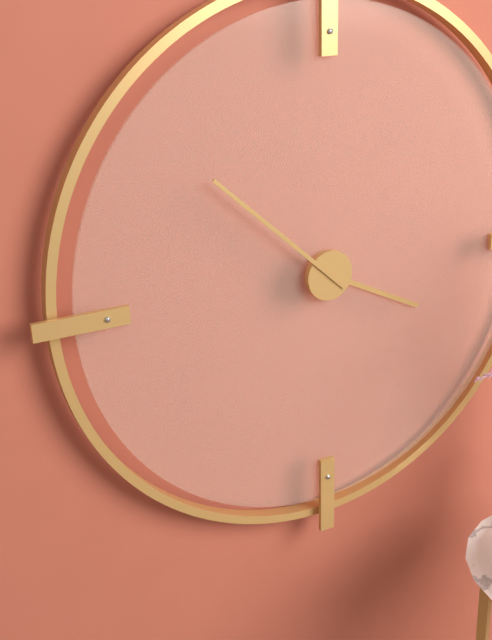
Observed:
3.52
